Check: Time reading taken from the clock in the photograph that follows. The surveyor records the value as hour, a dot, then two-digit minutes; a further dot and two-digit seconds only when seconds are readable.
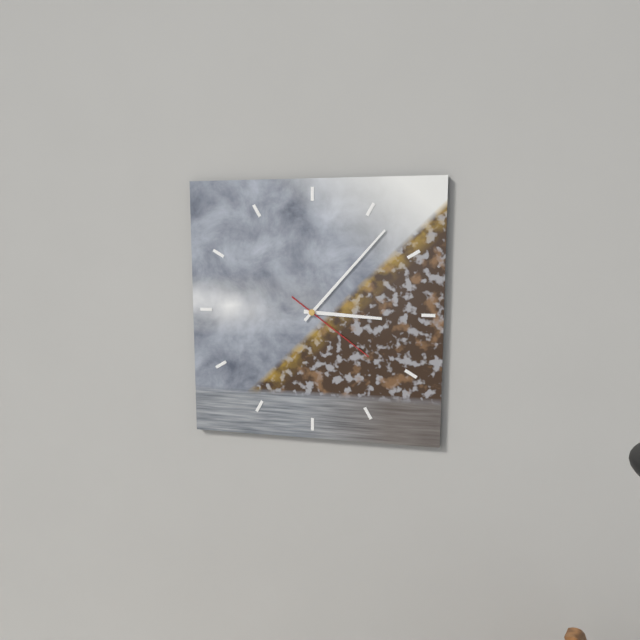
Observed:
3.07.21
